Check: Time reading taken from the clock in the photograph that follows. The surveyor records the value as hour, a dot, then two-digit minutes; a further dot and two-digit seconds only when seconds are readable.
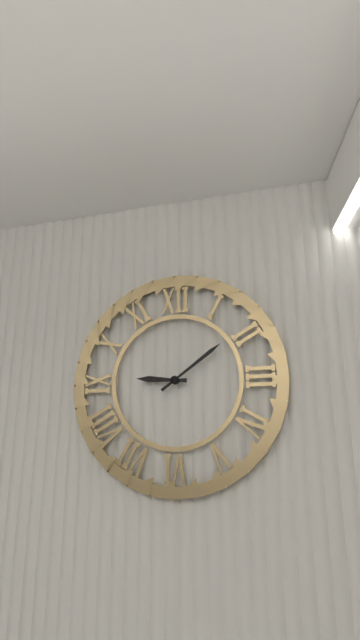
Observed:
9.09
